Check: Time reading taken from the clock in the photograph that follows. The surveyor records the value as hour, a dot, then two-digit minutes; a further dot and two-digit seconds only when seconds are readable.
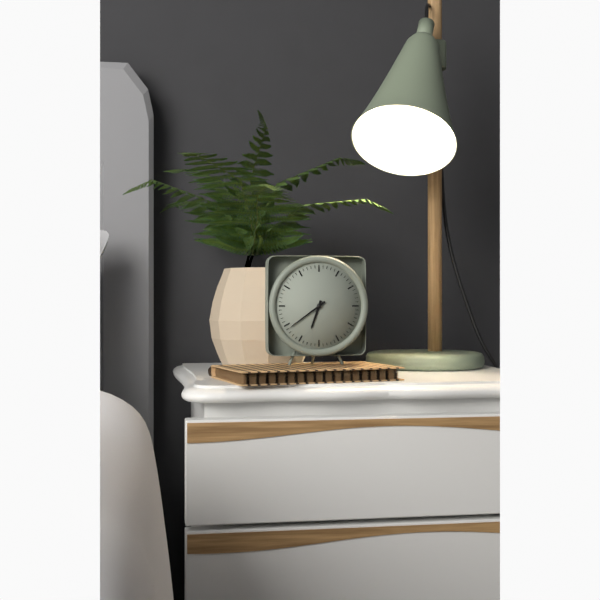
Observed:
6.39
